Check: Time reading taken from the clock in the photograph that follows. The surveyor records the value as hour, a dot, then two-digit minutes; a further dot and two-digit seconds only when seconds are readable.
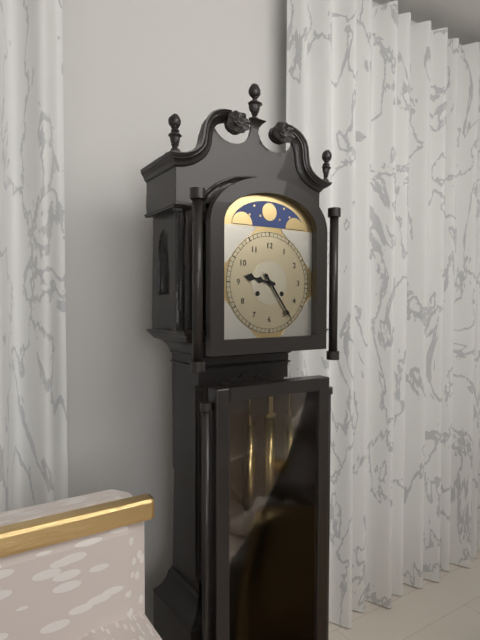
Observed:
9.24
